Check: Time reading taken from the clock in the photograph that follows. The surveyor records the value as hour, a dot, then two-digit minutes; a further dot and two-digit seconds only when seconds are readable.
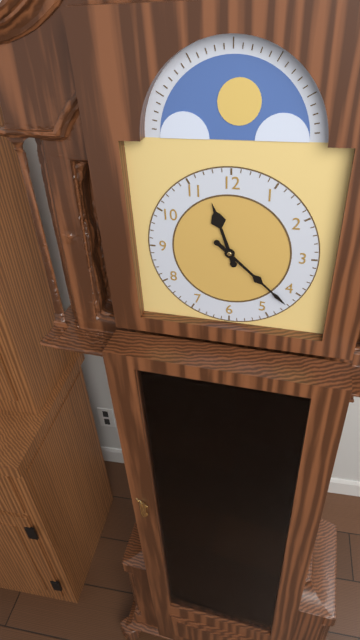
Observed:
11.22
